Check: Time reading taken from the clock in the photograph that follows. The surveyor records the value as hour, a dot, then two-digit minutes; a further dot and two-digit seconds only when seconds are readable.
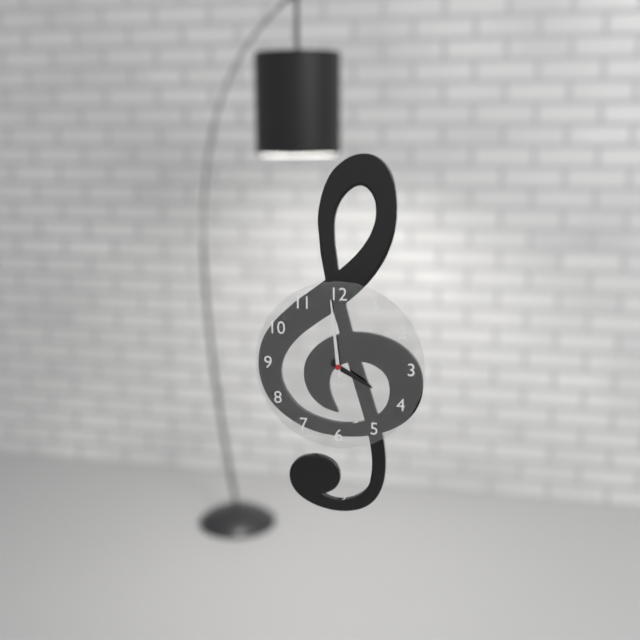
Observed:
3.59
